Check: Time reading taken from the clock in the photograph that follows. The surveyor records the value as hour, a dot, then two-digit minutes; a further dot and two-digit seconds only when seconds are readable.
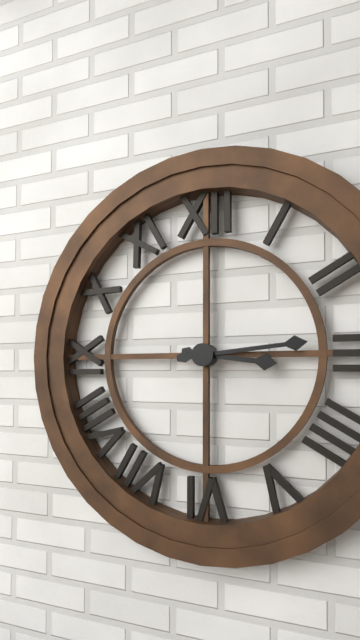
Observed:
3.14
